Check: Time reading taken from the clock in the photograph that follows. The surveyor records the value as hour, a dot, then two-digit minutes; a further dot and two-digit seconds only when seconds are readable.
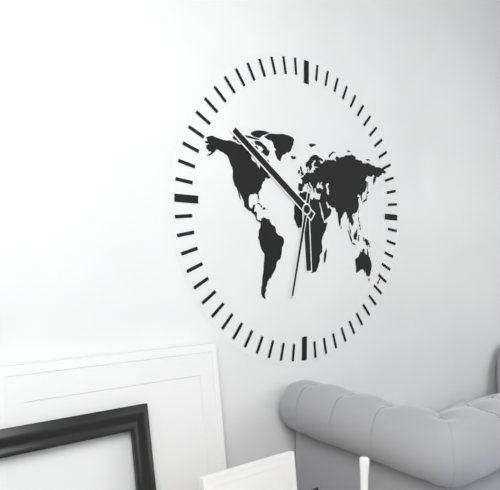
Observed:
5.51.32
